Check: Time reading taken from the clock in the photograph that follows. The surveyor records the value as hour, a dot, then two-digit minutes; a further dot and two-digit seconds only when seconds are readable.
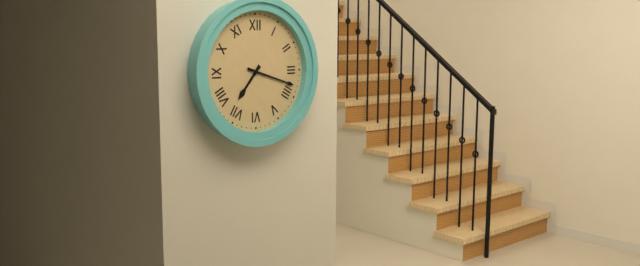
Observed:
7.18
